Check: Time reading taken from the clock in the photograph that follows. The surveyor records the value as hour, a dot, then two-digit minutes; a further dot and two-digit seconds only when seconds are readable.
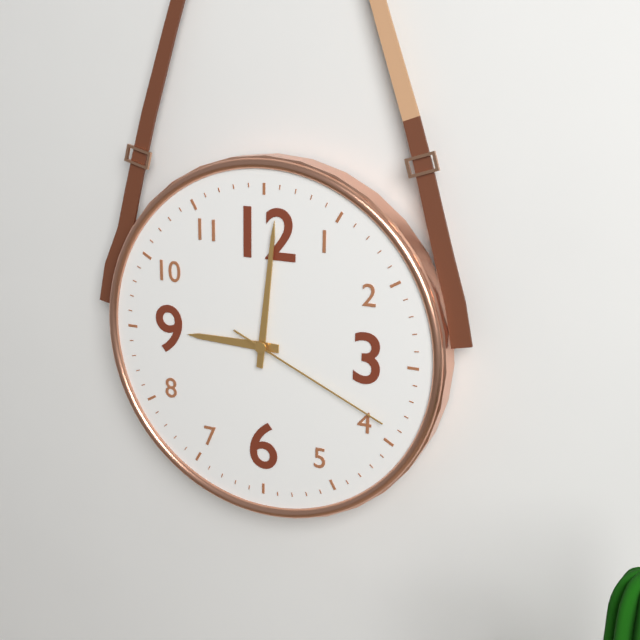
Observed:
9.01.19
